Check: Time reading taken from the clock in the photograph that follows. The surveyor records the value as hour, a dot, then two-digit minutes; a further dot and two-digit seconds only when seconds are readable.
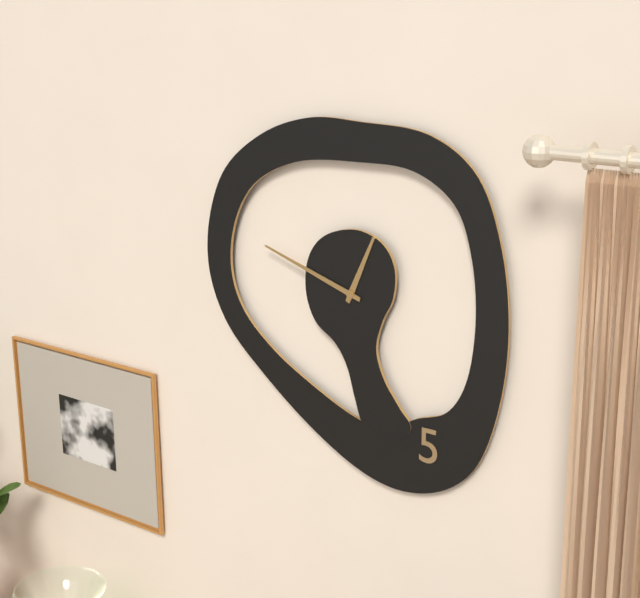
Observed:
12.48
